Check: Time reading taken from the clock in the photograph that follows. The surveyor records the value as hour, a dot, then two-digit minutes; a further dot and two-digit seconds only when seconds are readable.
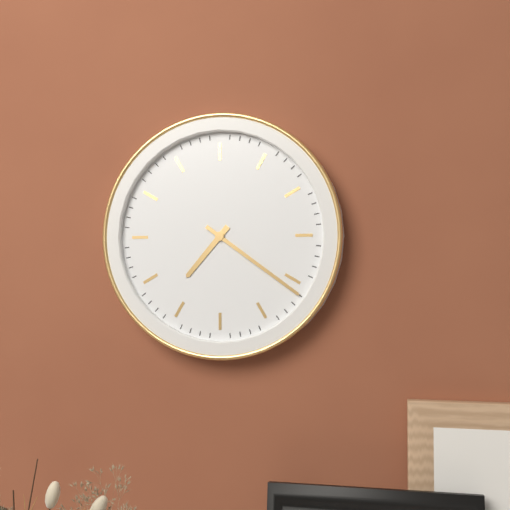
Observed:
7.21
